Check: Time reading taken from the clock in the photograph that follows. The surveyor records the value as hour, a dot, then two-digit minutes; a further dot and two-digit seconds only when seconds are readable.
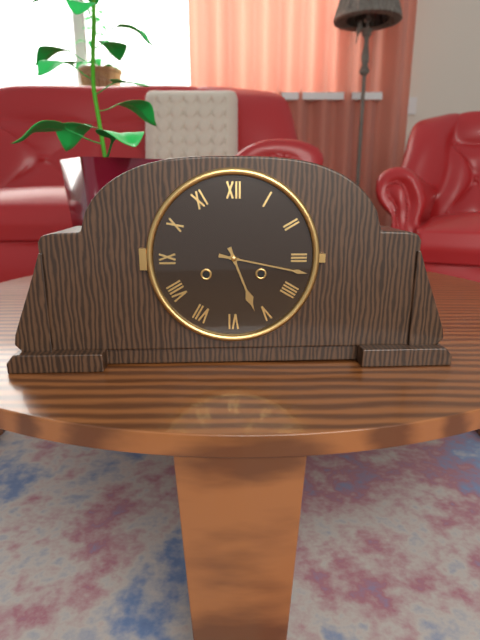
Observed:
5.17
